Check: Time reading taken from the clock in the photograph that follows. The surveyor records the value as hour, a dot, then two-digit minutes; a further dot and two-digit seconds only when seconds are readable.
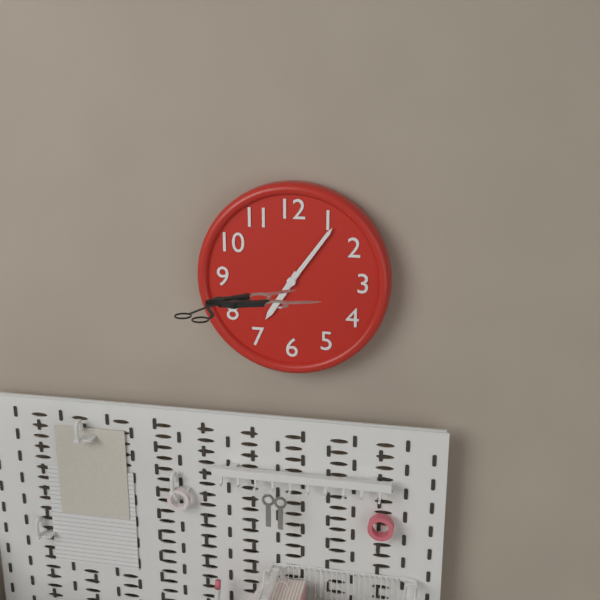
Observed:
7.06
